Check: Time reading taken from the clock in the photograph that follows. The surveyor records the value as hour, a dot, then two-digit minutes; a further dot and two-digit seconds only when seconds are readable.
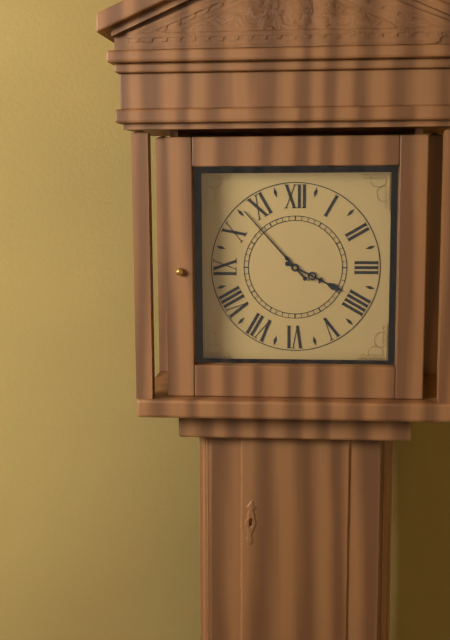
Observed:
3.53
